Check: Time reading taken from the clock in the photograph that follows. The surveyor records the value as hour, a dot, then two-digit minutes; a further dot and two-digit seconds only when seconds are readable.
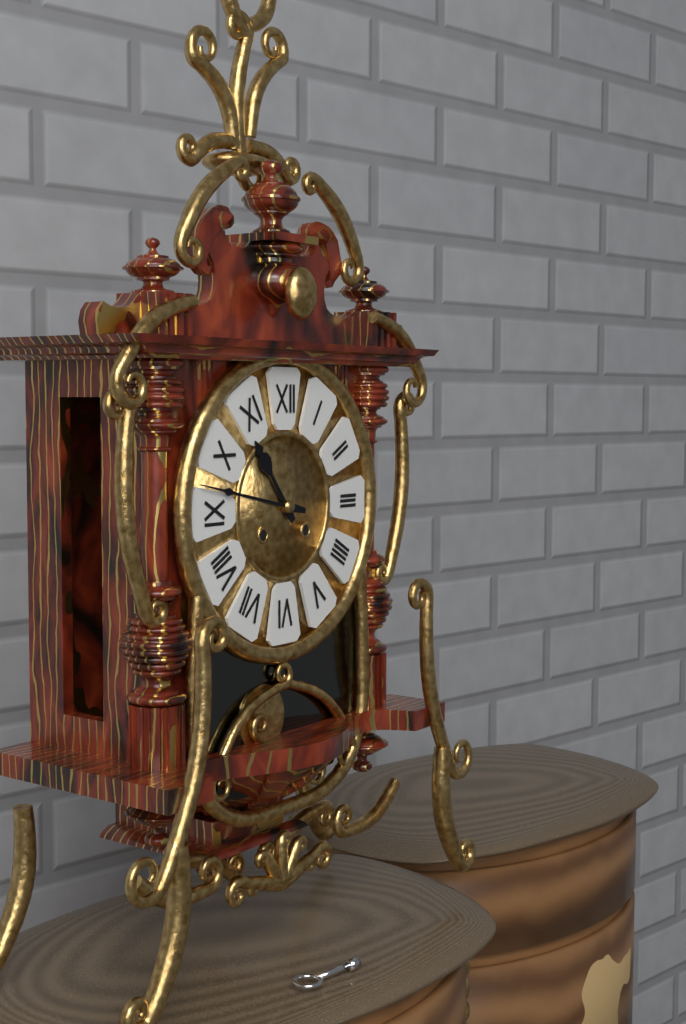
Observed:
10.47
